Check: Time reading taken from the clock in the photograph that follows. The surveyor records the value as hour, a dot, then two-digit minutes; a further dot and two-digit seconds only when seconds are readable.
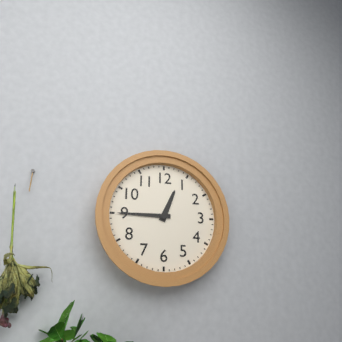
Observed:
12.45
